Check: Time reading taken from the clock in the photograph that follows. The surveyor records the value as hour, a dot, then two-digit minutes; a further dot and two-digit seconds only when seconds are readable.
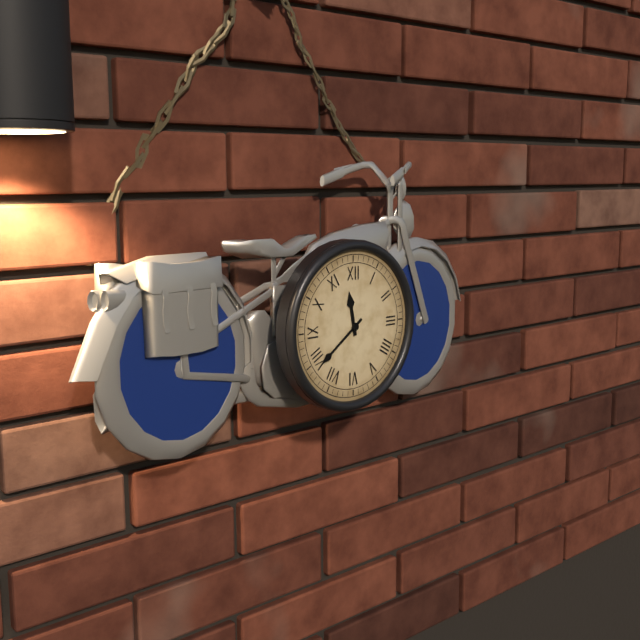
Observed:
11.39
